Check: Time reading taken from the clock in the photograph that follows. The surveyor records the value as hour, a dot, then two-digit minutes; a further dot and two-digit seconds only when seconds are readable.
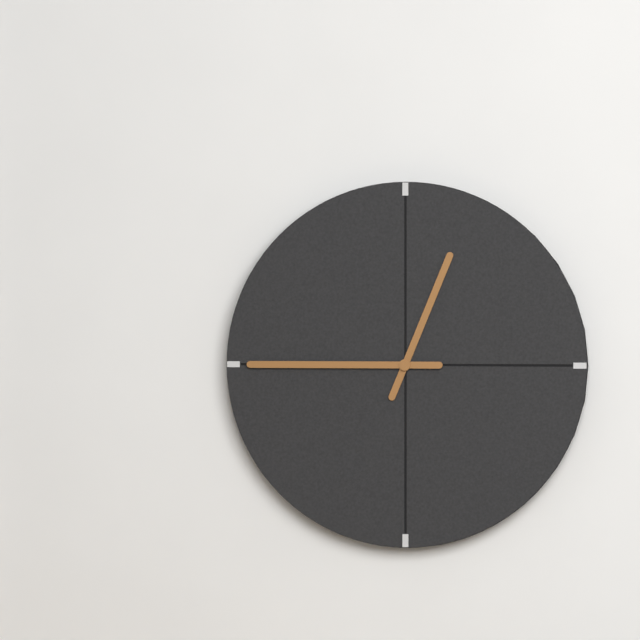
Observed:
12.45
